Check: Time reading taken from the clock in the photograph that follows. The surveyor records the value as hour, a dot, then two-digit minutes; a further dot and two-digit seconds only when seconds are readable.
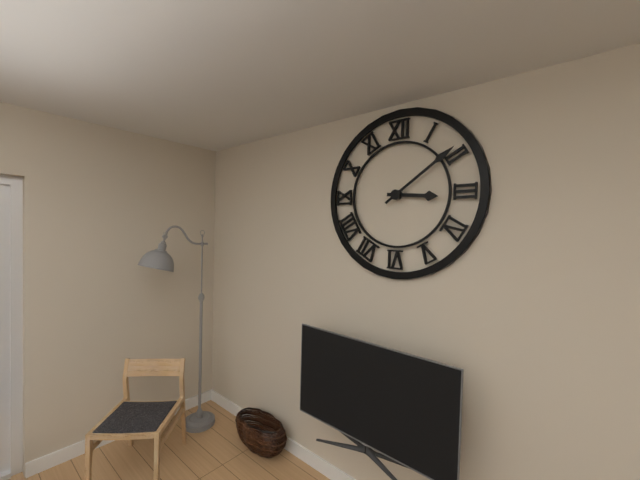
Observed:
3.09
